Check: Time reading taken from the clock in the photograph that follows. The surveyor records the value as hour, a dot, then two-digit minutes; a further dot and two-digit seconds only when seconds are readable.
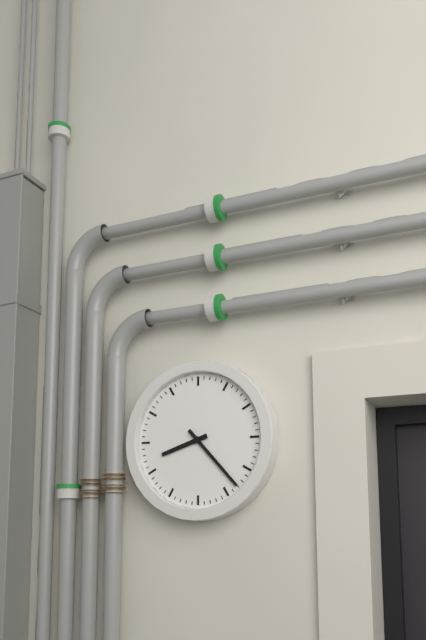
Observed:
8.23
